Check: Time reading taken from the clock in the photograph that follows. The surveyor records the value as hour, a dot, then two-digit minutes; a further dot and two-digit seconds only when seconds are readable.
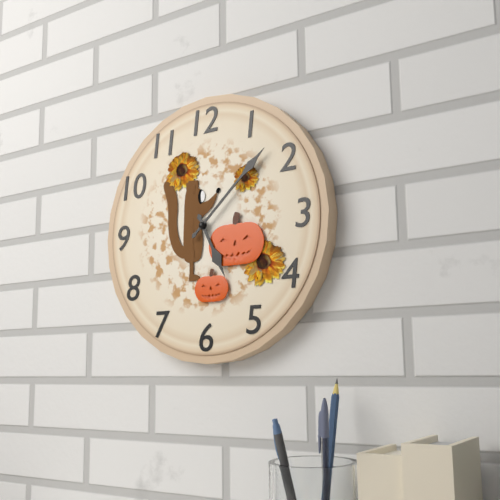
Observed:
5.08
